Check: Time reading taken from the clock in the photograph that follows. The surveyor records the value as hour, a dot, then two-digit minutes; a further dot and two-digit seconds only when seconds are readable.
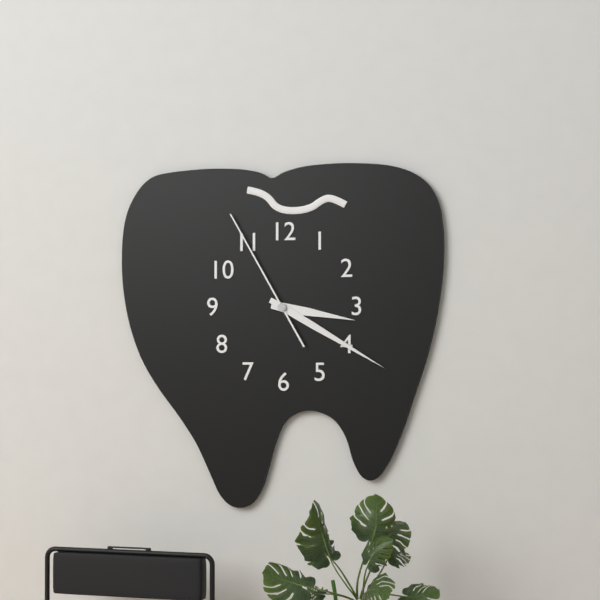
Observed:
3.20.55
